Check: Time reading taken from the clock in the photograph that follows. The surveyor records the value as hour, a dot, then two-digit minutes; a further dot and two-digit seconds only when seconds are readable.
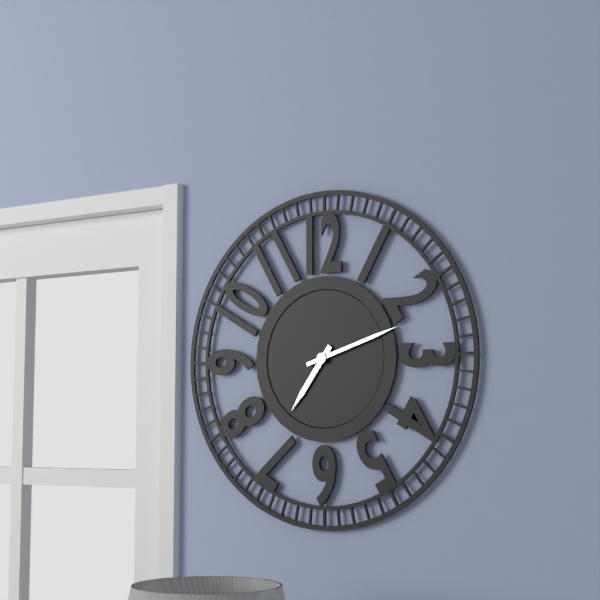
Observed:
7.12
